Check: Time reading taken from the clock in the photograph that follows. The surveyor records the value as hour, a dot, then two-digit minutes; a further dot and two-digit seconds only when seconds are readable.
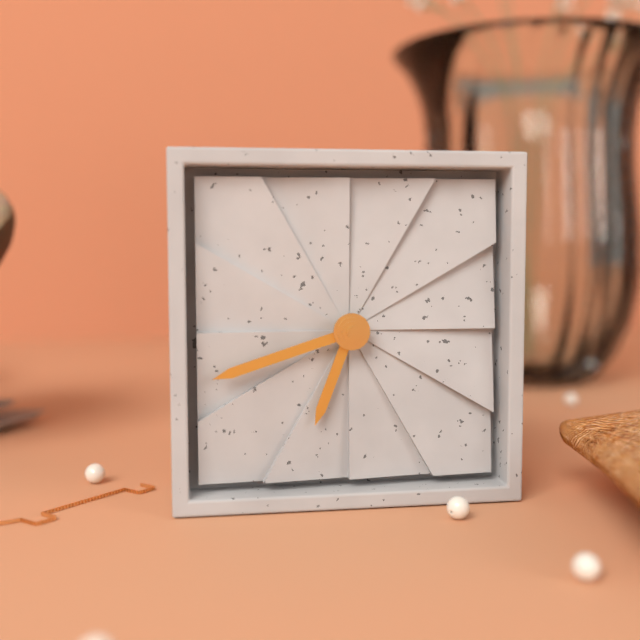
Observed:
6.42
